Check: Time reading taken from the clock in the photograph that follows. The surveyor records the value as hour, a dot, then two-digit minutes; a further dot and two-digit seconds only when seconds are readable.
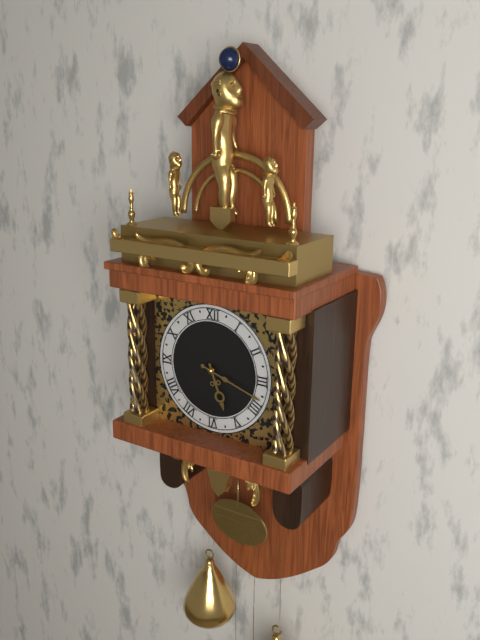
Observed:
5.18
